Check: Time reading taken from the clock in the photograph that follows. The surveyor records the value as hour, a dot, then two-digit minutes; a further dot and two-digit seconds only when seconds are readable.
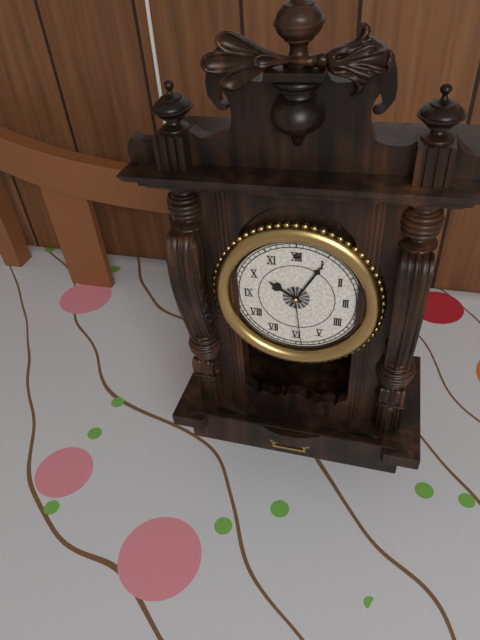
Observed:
10.05.29
